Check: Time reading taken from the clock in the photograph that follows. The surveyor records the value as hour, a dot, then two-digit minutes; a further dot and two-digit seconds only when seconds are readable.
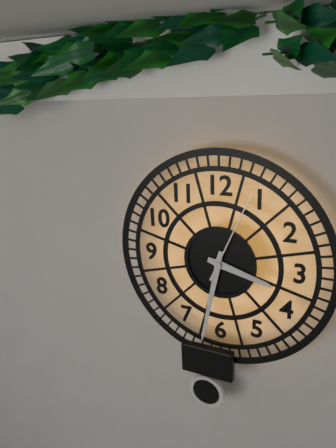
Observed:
3.32.04
